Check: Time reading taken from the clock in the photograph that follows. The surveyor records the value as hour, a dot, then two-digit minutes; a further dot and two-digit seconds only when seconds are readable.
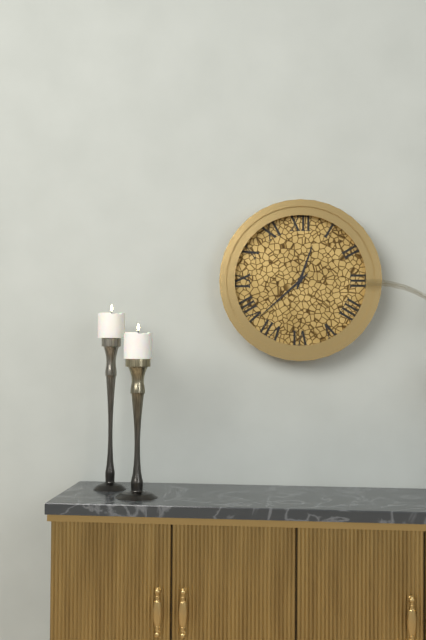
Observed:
12.38
